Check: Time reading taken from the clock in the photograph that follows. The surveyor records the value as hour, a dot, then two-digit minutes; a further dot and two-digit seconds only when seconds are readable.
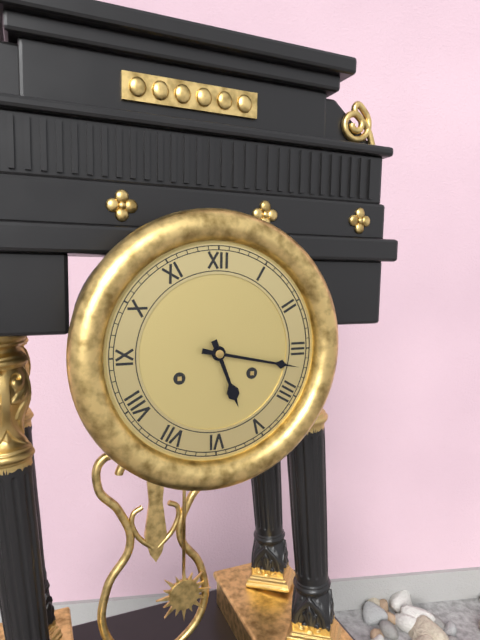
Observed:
5.17
